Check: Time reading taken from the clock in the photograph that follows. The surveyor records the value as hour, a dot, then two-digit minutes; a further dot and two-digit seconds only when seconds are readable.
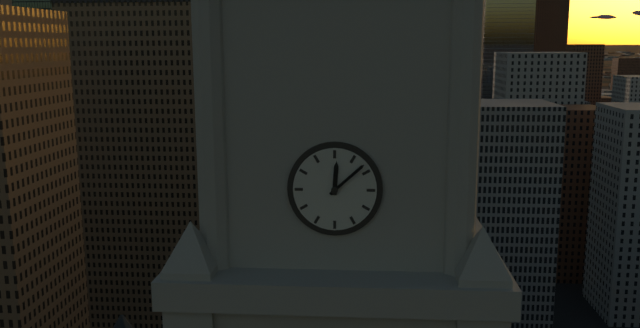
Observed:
12.08
